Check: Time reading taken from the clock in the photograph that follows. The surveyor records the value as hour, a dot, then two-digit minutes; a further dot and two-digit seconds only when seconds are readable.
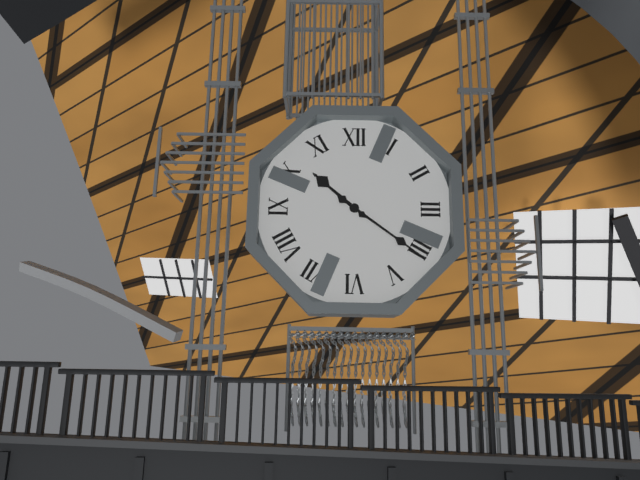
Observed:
10.21
